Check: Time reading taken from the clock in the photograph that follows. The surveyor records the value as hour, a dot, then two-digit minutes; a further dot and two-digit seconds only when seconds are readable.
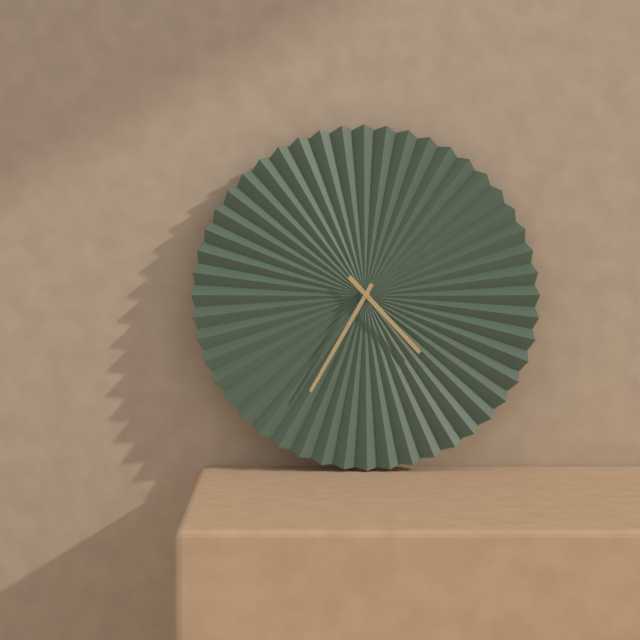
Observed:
4.35
